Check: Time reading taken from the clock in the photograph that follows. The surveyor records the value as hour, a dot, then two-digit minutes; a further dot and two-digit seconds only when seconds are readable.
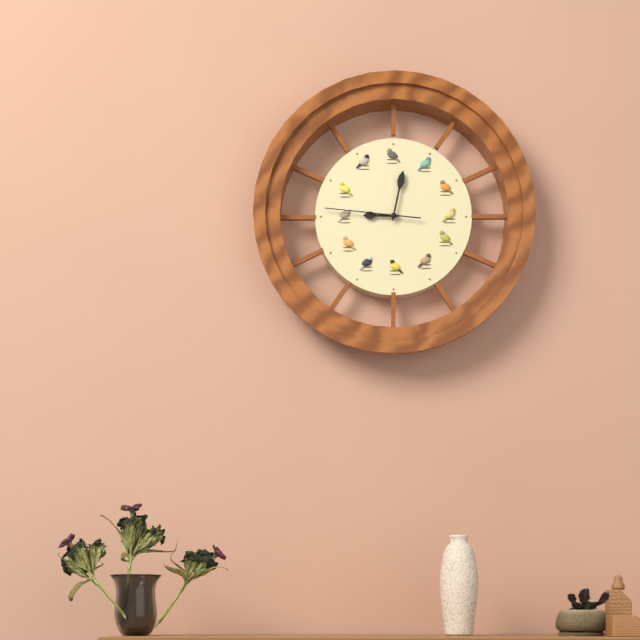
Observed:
9.02.46
